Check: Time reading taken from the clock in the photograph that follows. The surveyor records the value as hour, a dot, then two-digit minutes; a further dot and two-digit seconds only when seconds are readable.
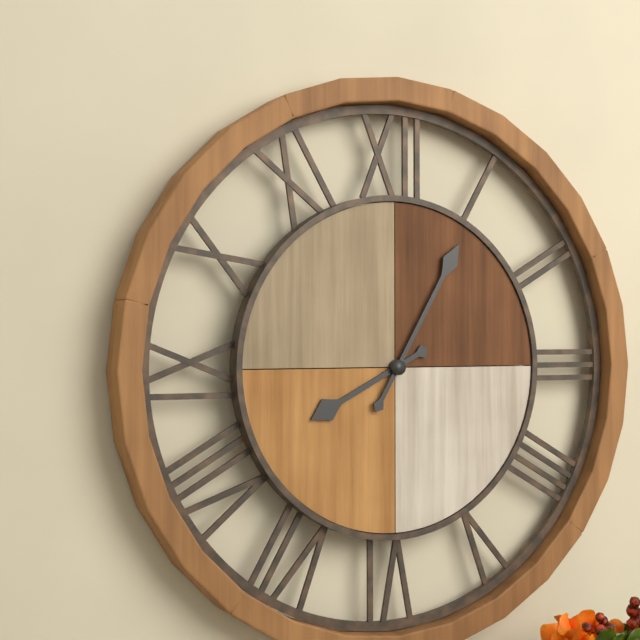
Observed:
8.05
